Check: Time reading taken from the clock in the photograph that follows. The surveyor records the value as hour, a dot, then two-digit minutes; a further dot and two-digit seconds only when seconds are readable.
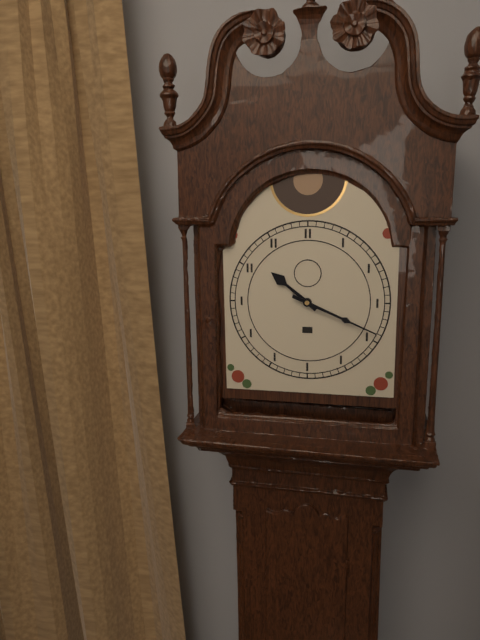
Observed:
10.19
